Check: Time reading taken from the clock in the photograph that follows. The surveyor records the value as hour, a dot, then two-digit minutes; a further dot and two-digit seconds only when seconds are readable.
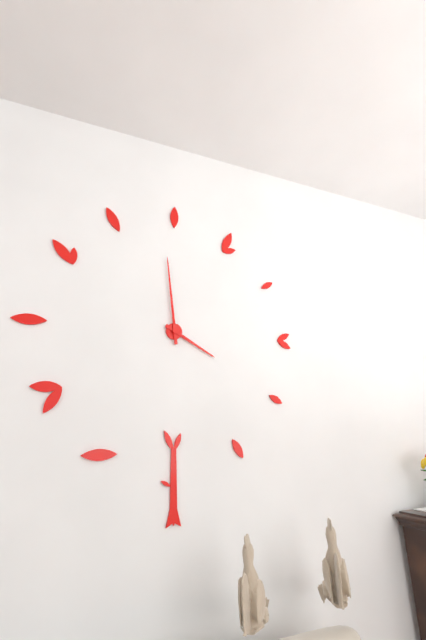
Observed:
3.59
